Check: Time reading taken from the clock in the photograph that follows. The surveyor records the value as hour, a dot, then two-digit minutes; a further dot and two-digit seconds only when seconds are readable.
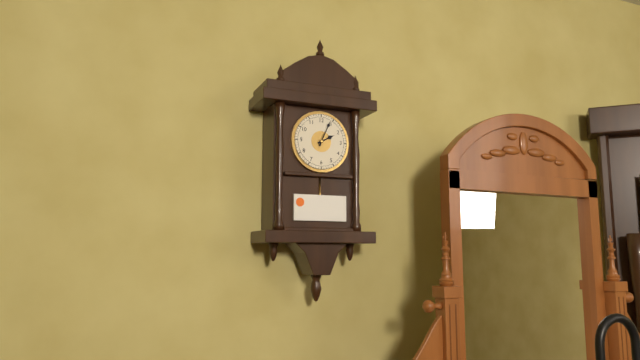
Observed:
2.04
